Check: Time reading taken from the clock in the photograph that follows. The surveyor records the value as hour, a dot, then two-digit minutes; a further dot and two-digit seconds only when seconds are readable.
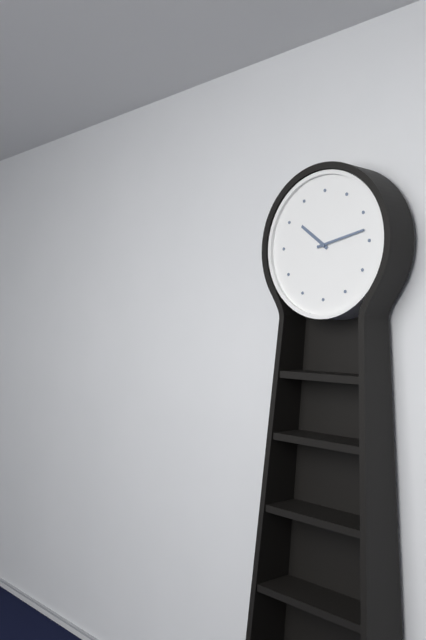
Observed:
10.13
